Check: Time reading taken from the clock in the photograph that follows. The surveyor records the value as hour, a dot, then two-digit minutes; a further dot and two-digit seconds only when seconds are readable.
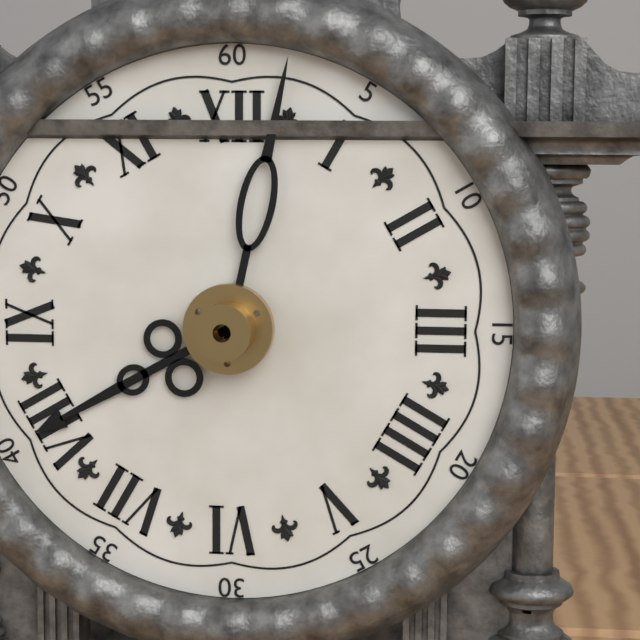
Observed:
8.02
